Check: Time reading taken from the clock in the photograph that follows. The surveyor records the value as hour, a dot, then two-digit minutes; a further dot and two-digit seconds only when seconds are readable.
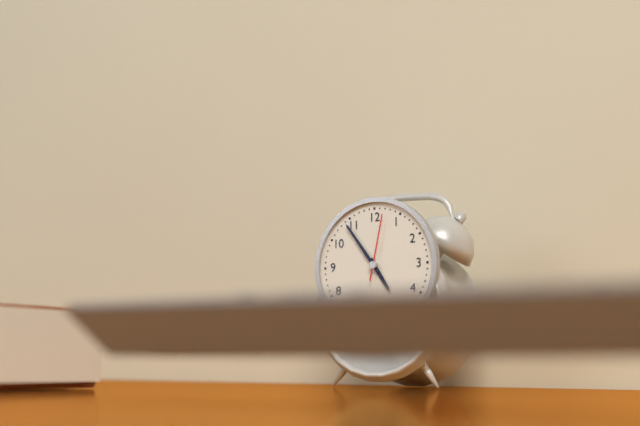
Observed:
4.54.02
